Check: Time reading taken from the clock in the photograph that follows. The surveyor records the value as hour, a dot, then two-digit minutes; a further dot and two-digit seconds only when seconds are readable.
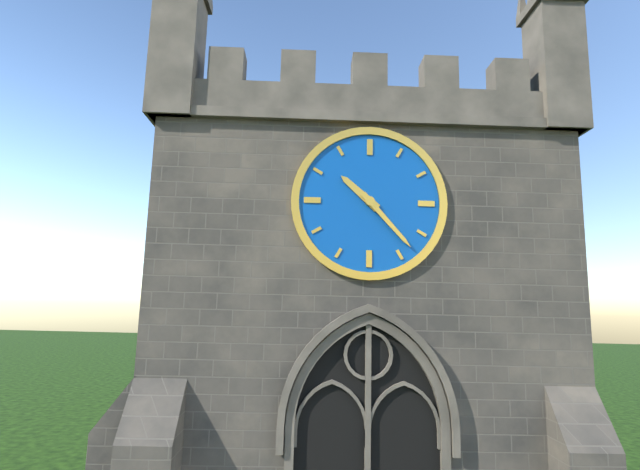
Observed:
10.23
